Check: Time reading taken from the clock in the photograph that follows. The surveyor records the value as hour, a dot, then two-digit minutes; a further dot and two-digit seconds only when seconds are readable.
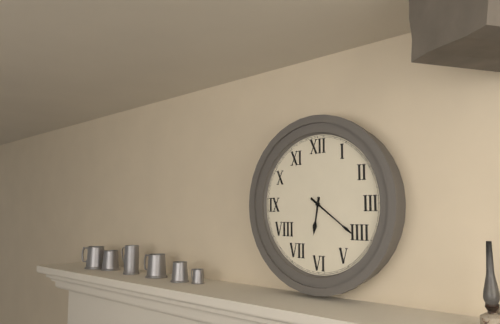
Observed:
6.21
